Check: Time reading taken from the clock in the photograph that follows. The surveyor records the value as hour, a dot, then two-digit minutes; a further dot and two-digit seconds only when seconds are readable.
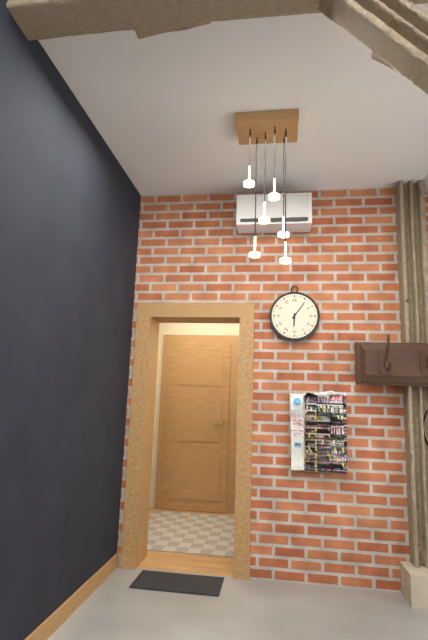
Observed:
6.06
